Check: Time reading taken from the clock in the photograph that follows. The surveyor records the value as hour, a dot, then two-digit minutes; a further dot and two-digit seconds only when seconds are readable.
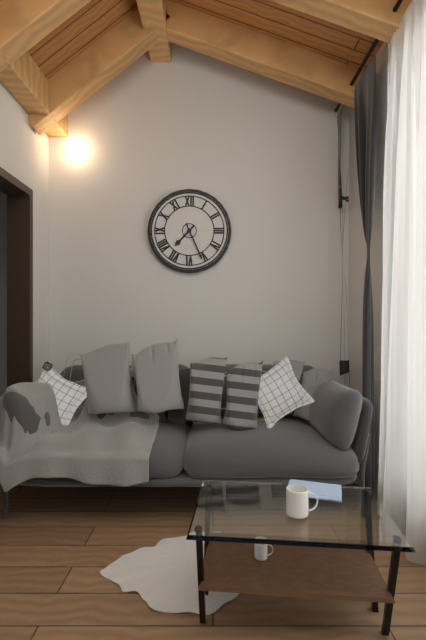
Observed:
7.26
